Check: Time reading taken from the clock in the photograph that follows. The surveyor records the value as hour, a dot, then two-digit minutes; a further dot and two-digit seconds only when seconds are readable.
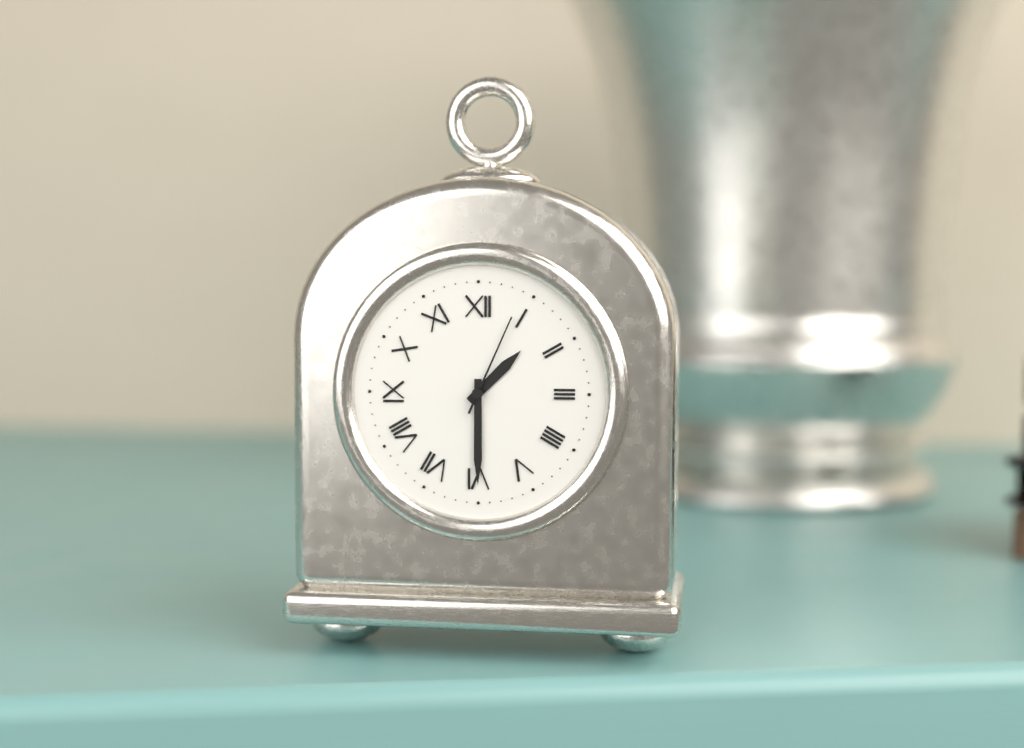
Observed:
1.30.04
